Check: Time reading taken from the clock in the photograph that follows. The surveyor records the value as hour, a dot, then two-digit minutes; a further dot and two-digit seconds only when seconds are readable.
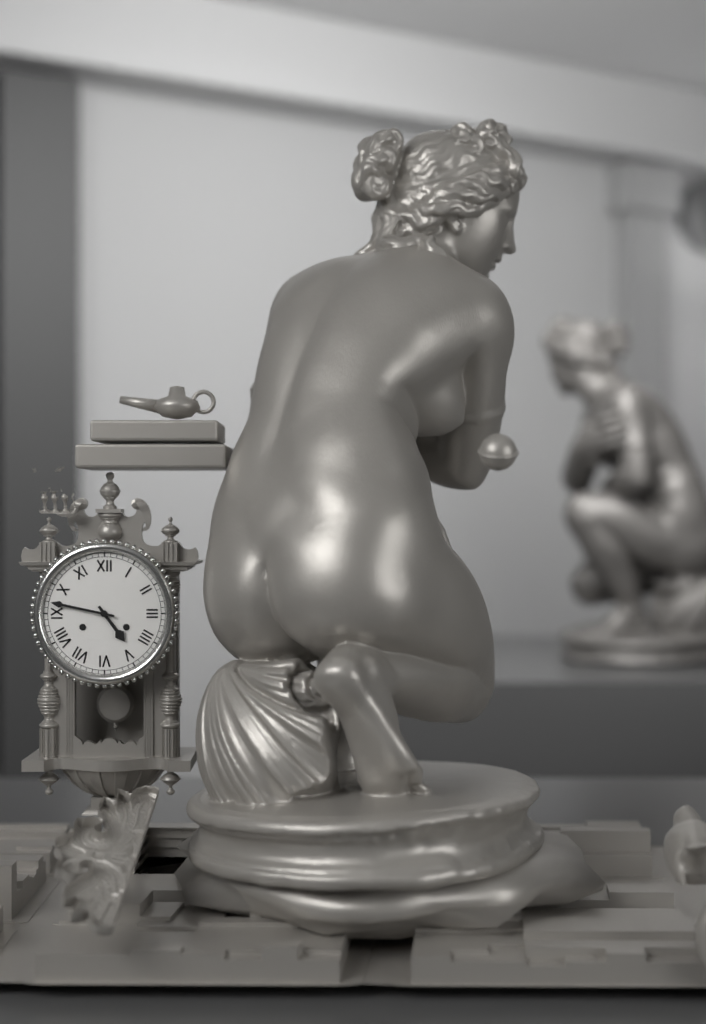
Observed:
4.47
